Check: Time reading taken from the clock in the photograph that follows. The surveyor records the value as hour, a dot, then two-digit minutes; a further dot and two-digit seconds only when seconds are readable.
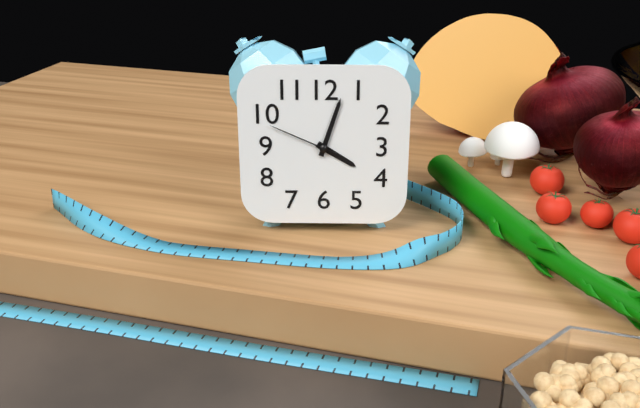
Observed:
4.03.49
